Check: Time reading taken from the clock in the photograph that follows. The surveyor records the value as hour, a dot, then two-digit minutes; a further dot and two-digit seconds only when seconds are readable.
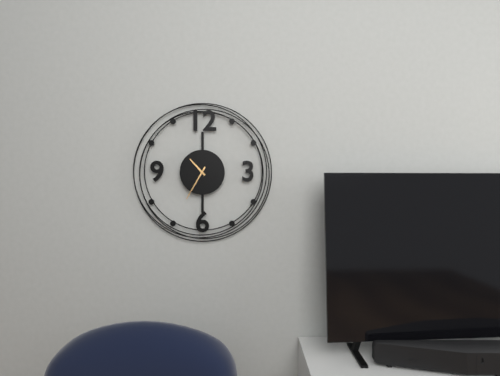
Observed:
10.35
